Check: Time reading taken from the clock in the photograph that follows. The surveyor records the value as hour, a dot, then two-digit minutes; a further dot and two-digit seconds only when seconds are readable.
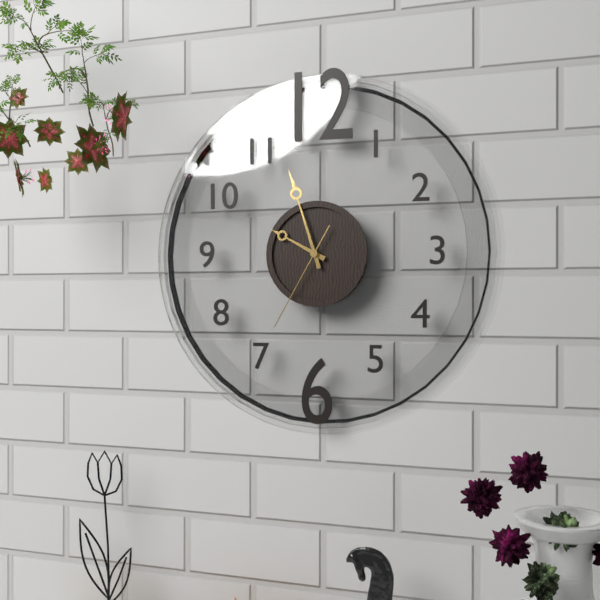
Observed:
9.57.35
